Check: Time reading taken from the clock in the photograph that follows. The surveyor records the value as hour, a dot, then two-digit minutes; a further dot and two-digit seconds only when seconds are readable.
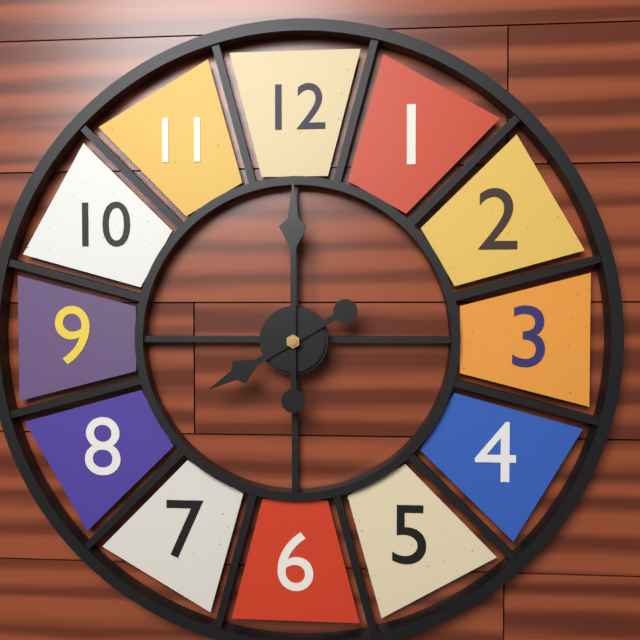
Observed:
8.00
